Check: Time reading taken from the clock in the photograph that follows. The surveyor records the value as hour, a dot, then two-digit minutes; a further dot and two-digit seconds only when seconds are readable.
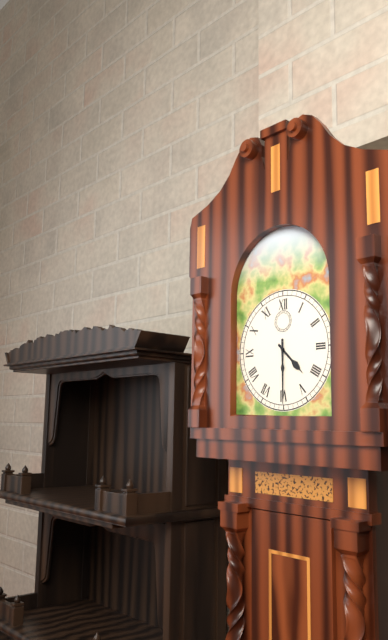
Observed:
4.30
